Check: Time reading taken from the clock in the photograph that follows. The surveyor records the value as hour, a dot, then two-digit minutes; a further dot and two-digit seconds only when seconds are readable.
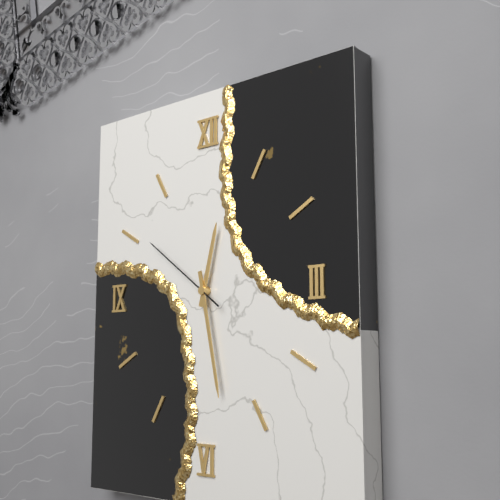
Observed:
12.28.51
